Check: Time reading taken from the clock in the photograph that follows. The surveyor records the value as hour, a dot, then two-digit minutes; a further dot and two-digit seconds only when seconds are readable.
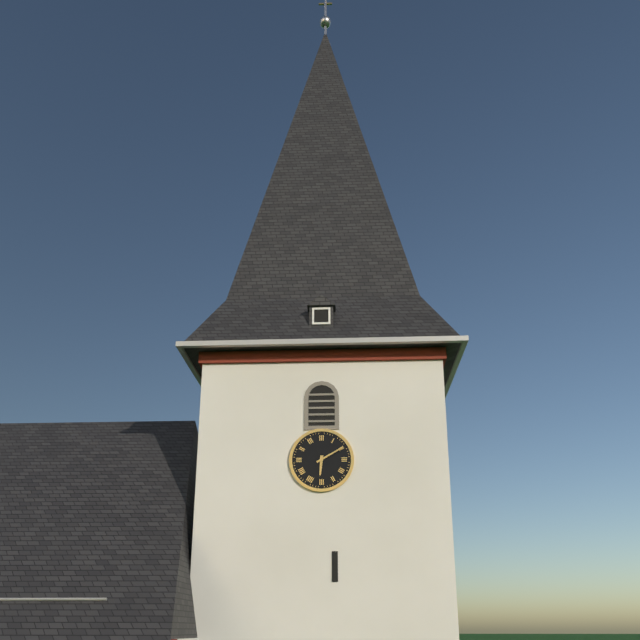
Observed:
6.10
